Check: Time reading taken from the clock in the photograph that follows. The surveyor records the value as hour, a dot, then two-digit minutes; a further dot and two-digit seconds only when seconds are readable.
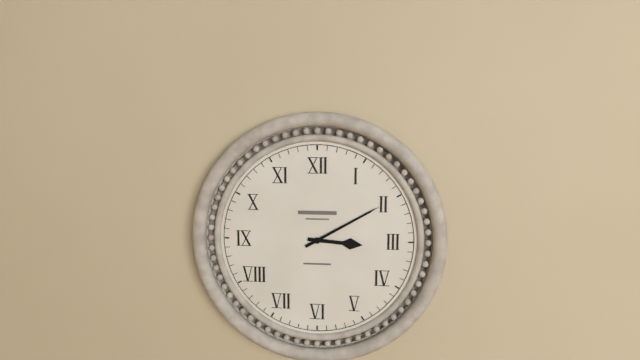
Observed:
3.10
